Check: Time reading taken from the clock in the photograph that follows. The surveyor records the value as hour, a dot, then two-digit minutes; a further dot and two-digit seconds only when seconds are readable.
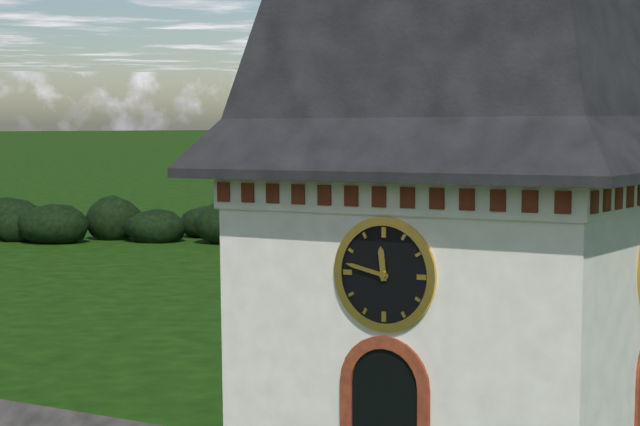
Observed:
11.47
